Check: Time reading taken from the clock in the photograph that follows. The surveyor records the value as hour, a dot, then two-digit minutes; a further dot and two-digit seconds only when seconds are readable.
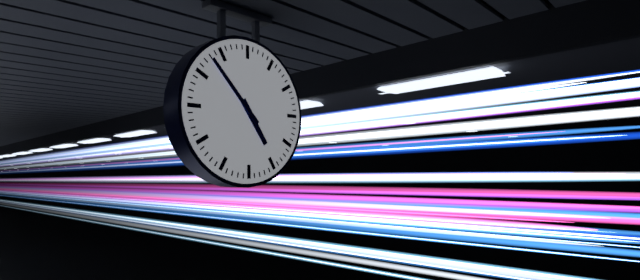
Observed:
4.53
